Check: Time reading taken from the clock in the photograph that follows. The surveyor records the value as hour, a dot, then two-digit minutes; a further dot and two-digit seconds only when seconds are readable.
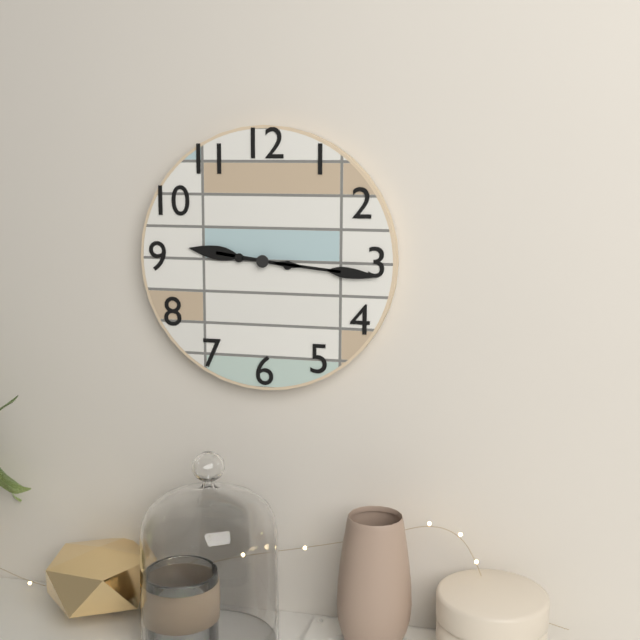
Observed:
9.16
